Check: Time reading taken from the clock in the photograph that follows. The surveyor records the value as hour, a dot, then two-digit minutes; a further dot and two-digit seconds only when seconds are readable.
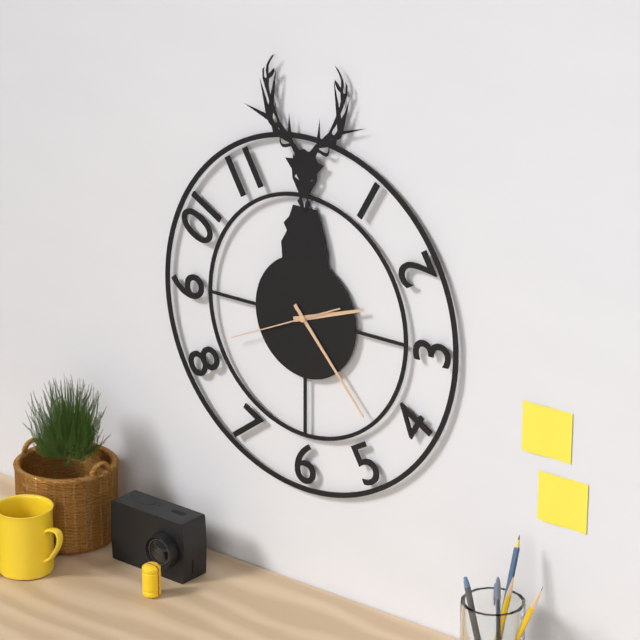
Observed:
2.23.41
